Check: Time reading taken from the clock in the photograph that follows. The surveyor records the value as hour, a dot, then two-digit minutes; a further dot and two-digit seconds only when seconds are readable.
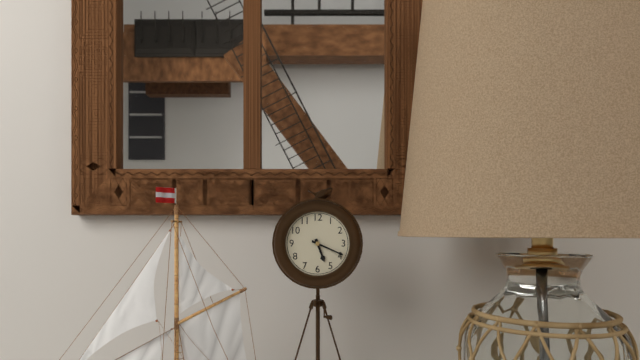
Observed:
5.19
